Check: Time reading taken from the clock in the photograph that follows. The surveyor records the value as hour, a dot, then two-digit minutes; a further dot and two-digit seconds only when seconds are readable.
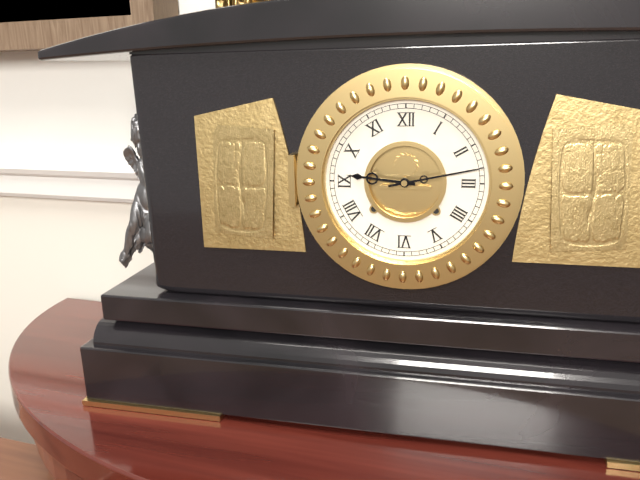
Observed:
9.13
